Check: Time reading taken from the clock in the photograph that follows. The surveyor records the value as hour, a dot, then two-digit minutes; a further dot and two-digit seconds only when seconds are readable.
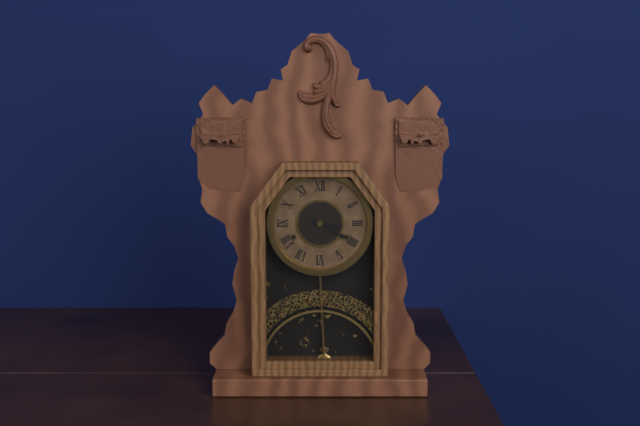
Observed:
3.20
